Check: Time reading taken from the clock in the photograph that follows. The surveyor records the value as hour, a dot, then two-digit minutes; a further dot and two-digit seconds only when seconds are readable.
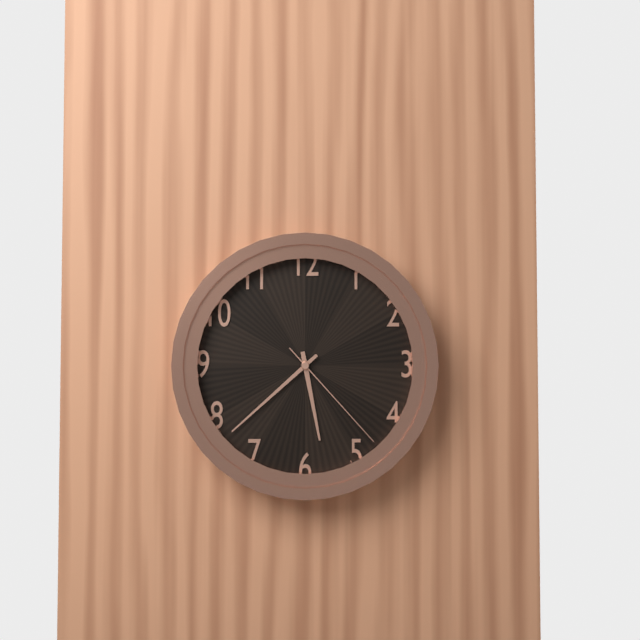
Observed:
5.38.23
